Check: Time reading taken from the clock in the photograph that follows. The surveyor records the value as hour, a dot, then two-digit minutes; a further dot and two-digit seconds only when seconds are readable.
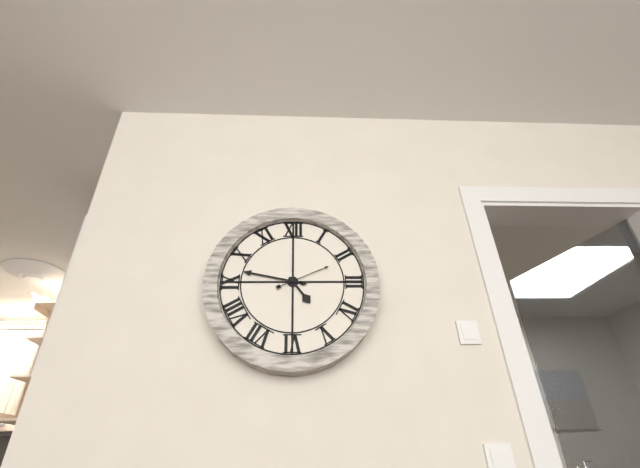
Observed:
4.47
